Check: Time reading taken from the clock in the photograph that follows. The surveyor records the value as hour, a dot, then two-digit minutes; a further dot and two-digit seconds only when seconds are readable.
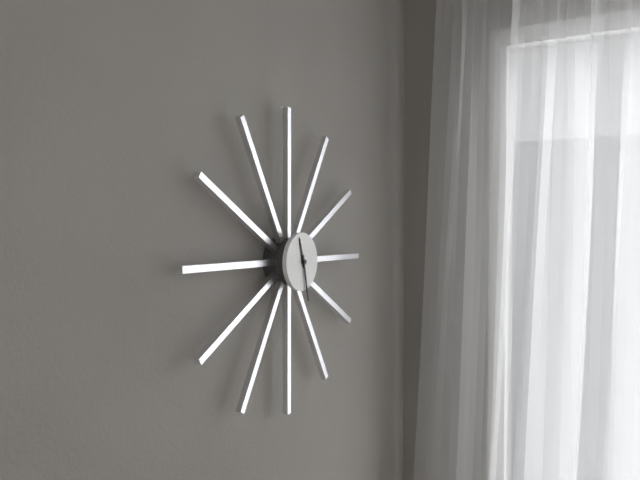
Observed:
11.28
